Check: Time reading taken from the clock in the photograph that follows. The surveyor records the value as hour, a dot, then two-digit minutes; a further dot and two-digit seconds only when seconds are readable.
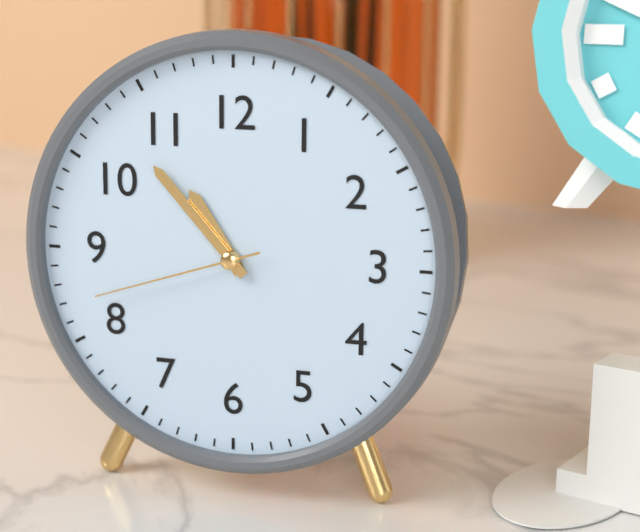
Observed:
10.53.42
